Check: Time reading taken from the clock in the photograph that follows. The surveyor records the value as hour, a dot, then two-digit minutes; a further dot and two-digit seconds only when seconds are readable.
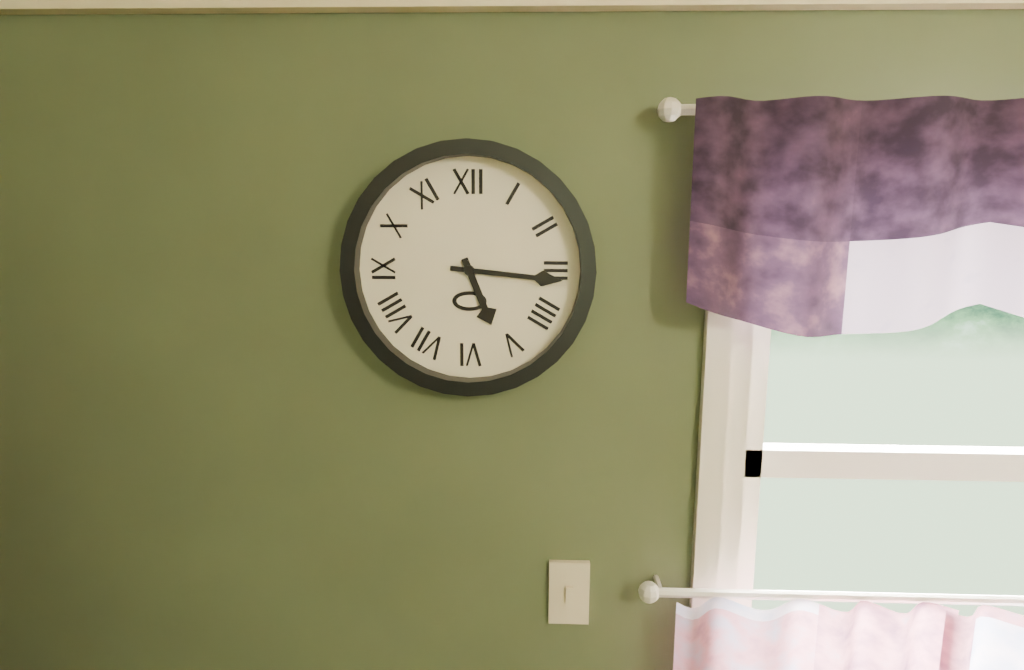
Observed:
5.16
